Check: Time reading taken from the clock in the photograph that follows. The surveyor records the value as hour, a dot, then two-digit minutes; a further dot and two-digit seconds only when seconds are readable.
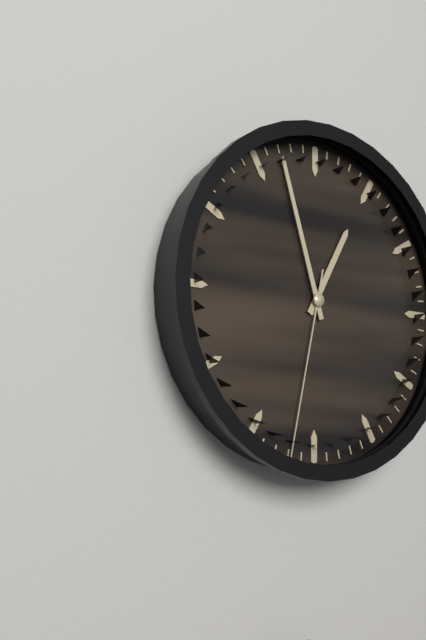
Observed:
12.57.32
